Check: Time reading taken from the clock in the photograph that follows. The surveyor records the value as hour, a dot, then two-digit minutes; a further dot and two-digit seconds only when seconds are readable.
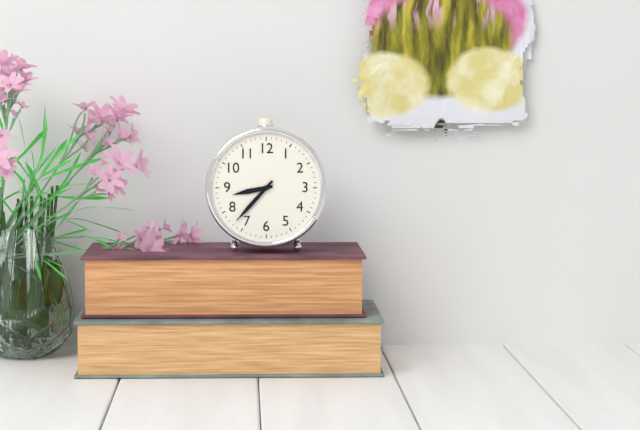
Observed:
8.37
